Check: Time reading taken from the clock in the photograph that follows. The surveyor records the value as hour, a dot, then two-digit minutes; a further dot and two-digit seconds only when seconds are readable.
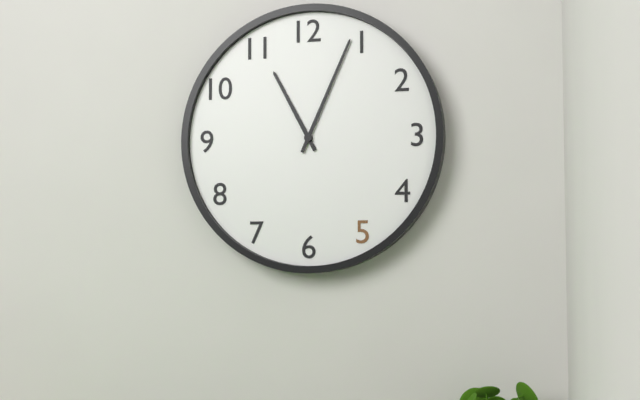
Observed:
11.04
